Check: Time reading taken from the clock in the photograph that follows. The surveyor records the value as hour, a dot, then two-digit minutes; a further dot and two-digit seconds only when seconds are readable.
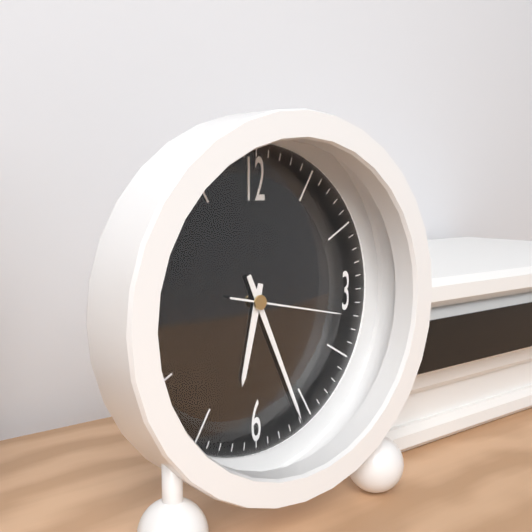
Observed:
6.26.17
